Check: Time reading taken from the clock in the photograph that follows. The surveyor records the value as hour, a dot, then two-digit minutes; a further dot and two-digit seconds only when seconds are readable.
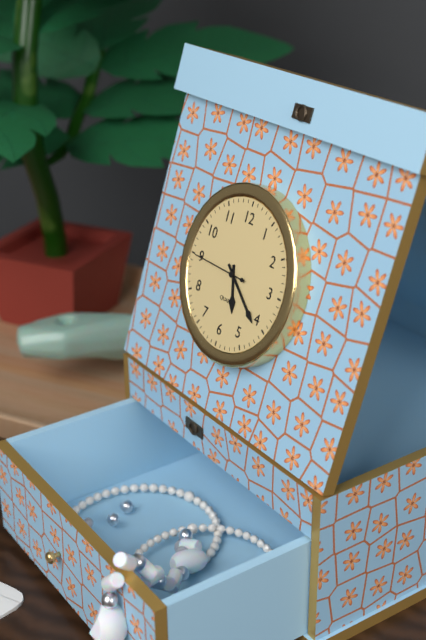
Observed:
5.21.45
